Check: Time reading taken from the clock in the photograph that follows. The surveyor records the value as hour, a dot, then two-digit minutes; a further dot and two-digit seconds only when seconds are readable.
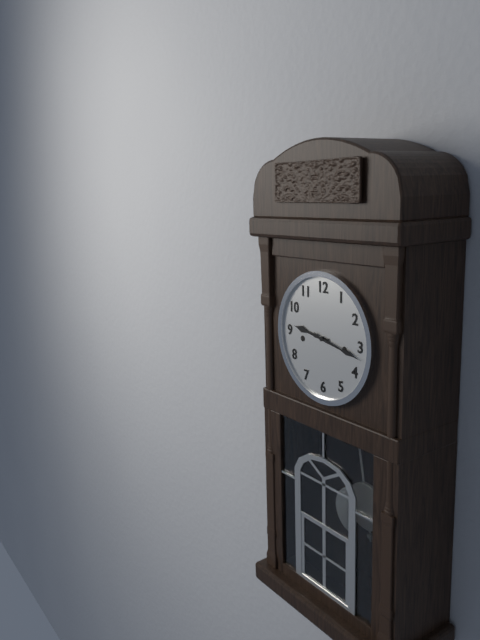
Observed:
9.17
